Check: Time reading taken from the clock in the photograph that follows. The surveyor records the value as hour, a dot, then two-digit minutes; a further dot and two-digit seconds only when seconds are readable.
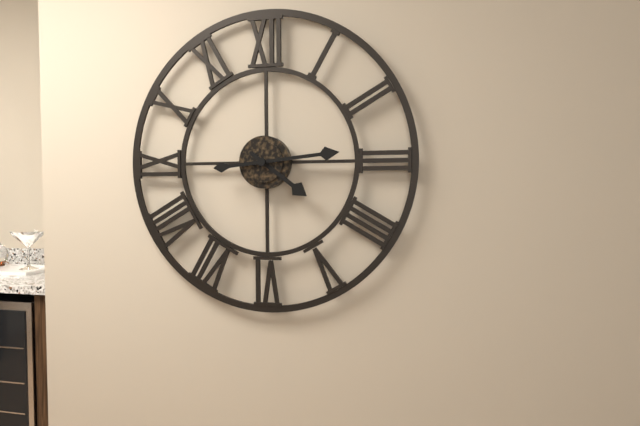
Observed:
4.14
